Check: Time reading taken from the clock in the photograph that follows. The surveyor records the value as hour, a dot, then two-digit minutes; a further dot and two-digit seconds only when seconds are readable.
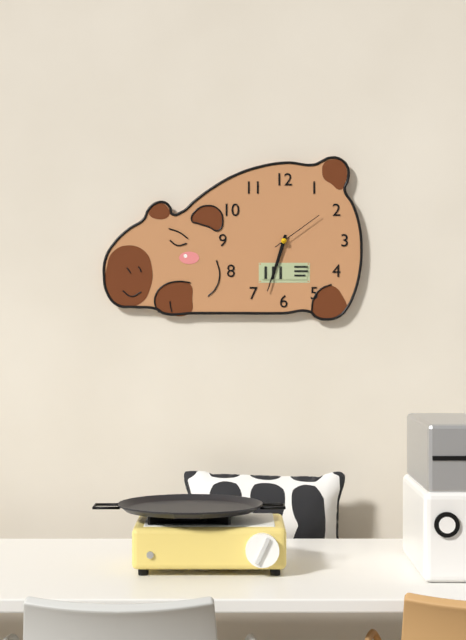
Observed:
6.33.09
